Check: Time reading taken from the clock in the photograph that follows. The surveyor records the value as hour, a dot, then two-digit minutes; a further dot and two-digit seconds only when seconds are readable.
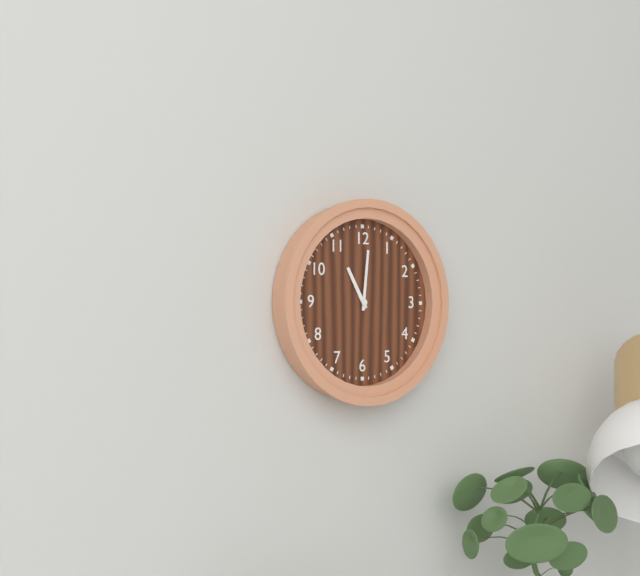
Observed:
11.01
